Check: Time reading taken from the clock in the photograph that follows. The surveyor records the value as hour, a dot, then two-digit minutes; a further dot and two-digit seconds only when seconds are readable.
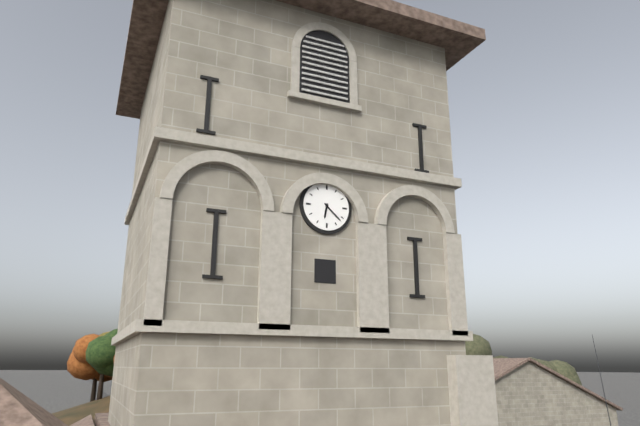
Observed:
6.22
